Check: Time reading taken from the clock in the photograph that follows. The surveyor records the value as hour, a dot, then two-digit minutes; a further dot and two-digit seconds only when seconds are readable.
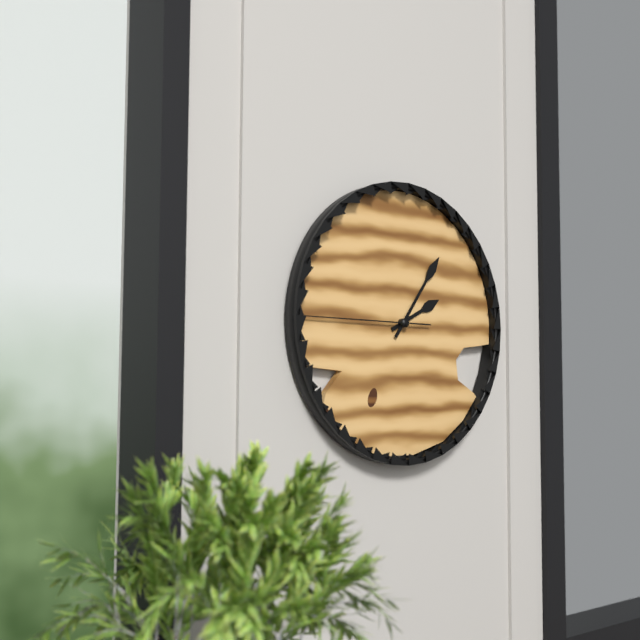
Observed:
2.06.45
